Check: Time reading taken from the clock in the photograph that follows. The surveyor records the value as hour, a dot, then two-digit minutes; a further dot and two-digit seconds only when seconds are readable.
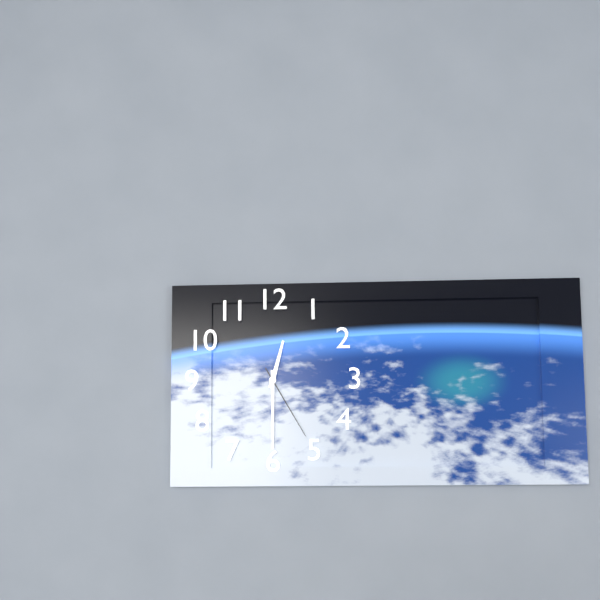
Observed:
12.30.25
